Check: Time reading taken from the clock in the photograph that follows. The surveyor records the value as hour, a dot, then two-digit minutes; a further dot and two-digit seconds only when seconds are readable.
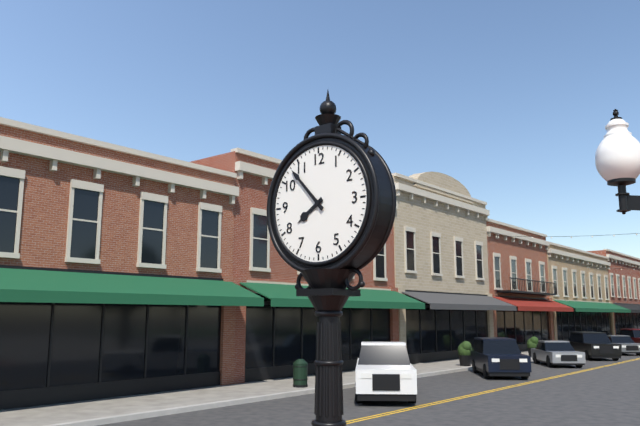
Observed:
7.53
